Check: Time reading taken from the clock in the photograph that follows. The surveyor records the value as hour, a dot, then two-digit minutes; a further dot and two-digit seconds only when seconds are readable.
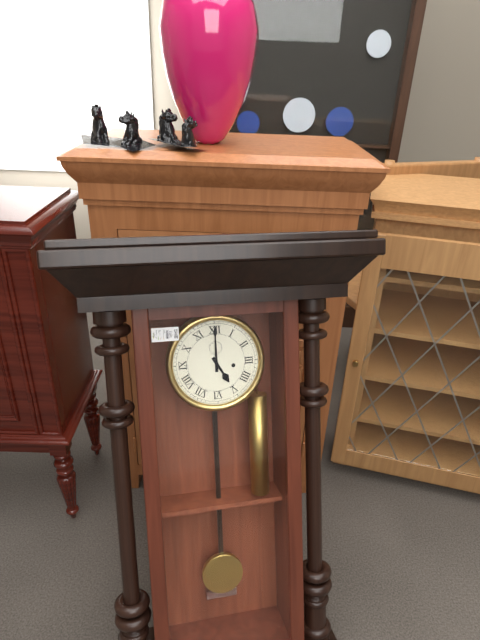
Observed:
5.00
